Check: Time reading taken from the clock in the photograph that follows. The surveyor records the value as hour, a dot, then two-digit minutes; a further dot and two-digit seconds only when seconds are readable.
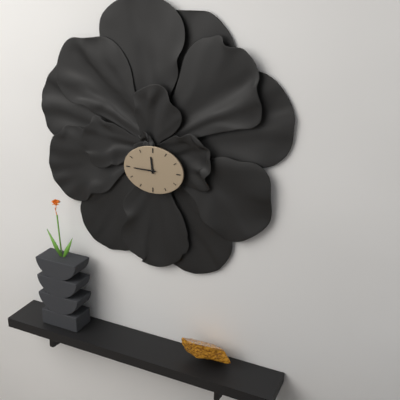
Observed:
11.45
